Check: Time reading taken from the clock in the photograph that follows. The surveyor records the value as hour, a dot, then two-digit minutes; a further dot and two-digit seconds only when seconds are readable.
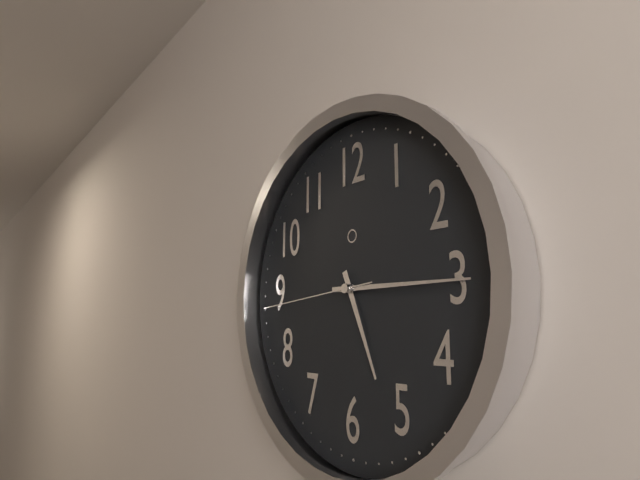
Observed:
5.15.44
